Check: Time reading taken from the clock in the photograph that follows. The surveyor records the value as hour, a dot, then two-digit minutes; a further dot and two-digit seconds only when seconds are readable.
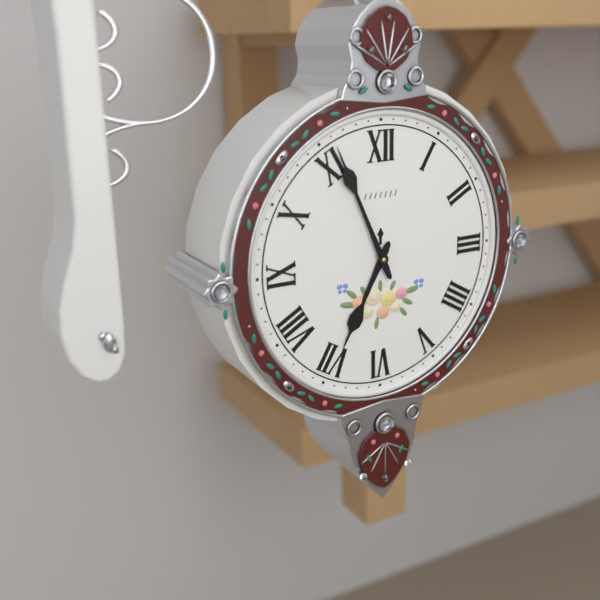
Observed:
6.56
